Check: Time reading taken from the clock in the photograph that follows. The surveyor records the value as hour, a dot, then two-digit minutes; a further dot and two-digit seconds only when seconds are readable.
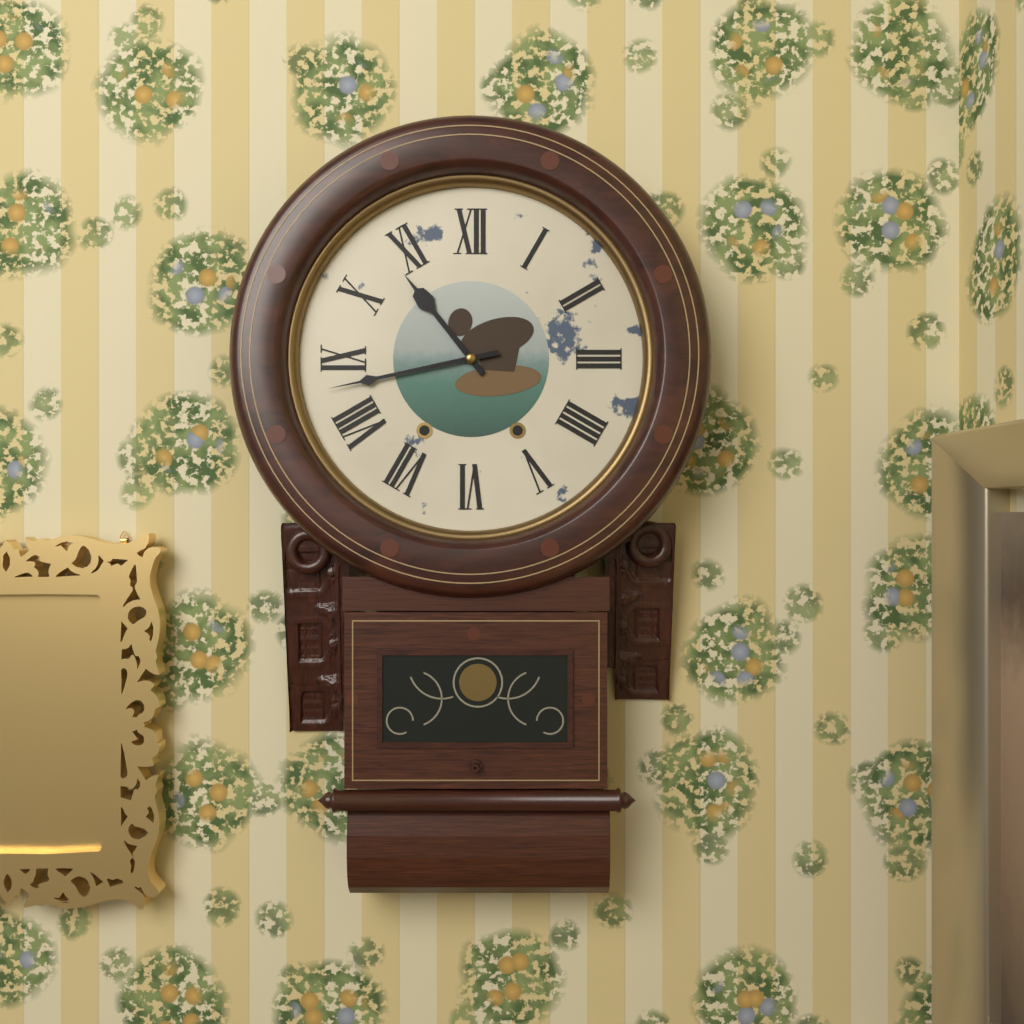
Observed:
10.43
